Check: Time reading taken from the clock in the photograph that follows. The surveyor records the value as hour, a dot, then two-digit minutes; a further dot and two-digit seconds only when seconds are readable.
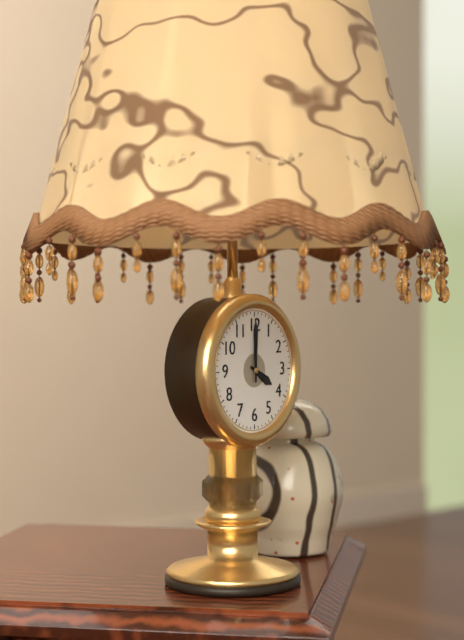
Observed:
4.00
